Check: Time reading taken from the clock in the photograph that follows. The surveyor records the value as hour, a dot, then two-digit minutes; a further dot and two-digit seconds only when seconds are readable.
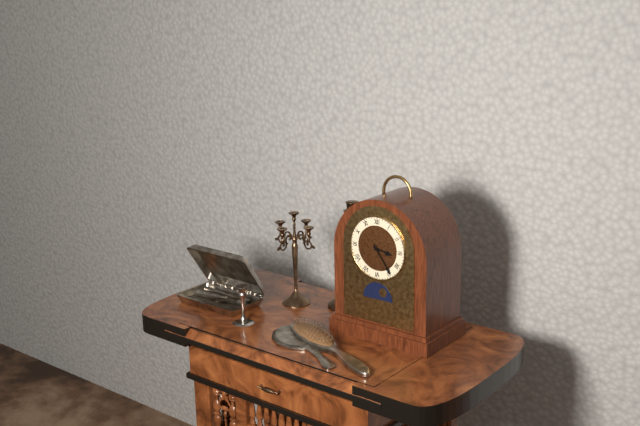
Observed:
3.24
